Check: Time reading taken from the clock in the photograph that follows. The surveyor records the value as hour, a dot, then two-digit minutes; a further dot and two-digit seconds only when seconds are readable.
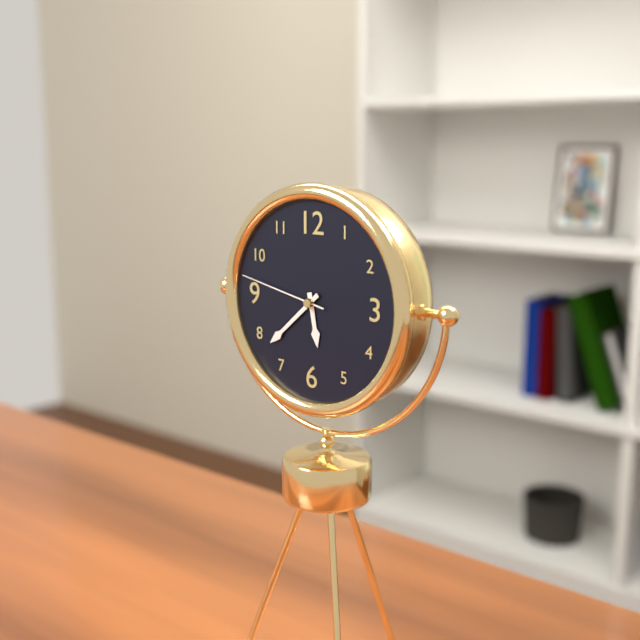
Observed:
5.38.47
